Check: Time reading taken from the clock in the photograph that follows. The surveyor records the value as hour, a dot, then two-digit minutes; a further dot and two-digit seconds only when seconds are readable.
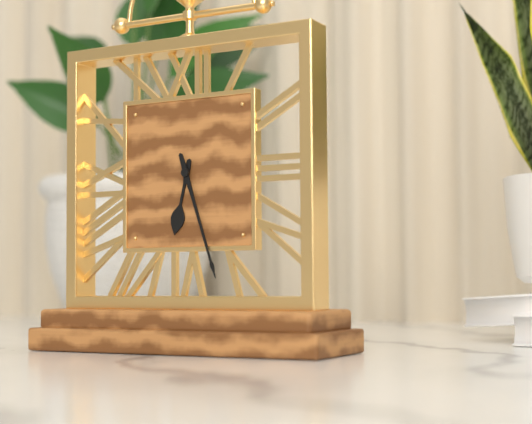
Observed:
6.27
